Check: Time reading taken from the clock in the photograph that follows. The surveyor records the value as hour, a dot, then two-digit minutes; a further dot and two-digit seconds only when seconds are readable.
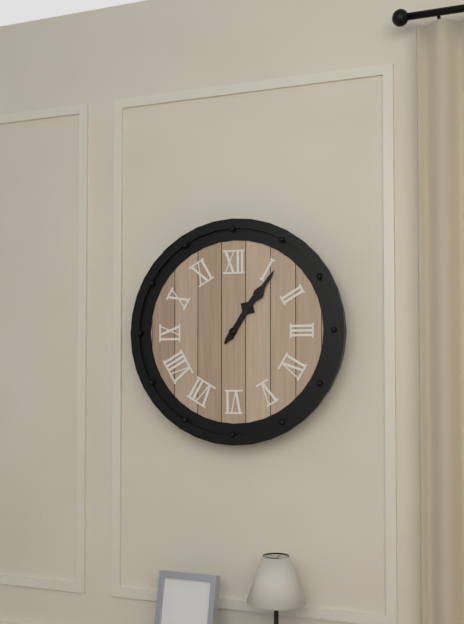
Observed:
1.06
